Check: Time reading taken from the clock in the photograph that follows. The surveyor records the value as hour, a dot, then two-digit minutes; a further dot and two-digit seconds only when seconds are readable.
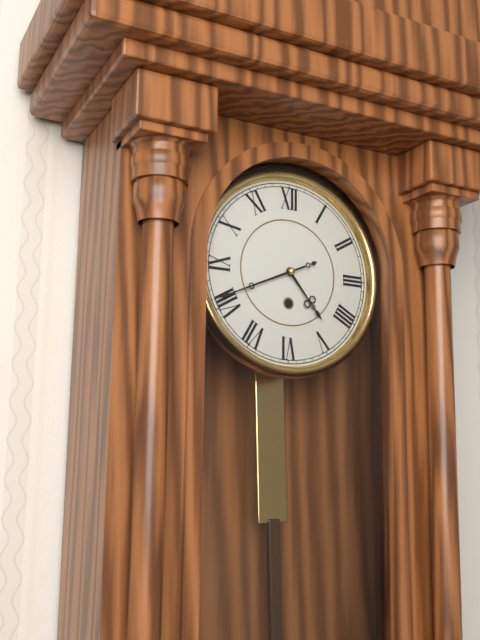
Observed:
4.41
